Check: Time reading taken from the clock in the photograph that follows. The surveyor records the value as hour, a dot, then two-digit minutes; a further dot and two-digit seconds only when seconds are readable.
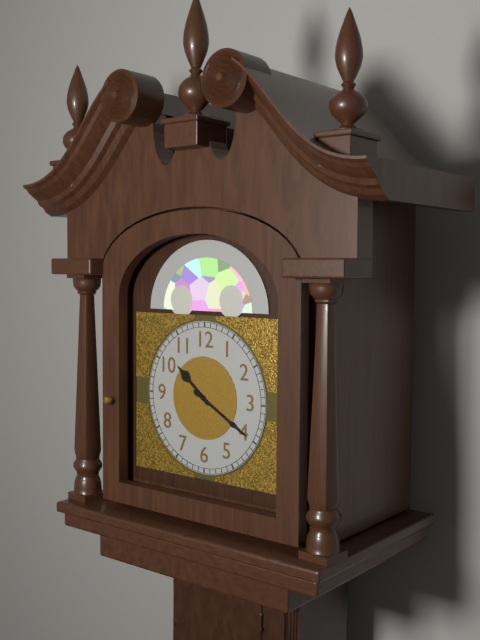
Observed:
10.20
